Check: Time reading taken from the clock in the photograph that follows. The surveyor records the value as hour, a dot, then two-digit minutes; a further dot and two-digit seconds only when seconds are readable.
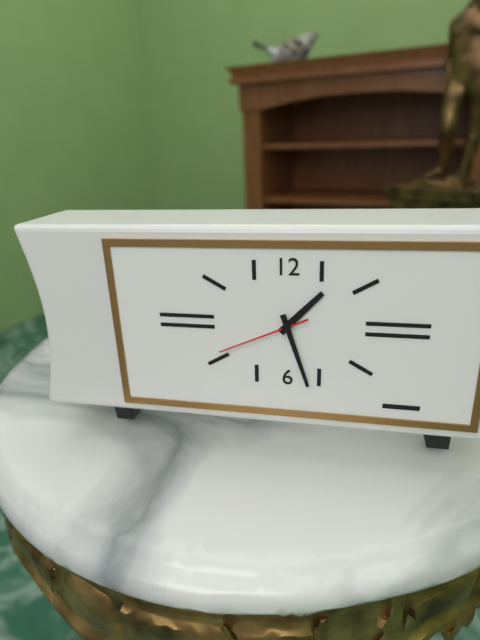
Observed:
1.27.41
